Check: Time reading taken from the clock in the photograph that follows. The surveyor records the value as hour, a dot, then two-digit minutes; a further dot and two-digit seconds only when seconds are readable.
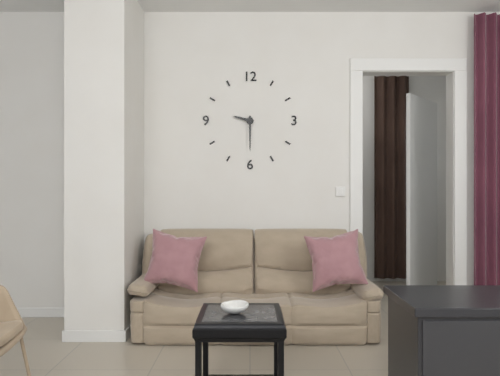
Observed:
9.30
